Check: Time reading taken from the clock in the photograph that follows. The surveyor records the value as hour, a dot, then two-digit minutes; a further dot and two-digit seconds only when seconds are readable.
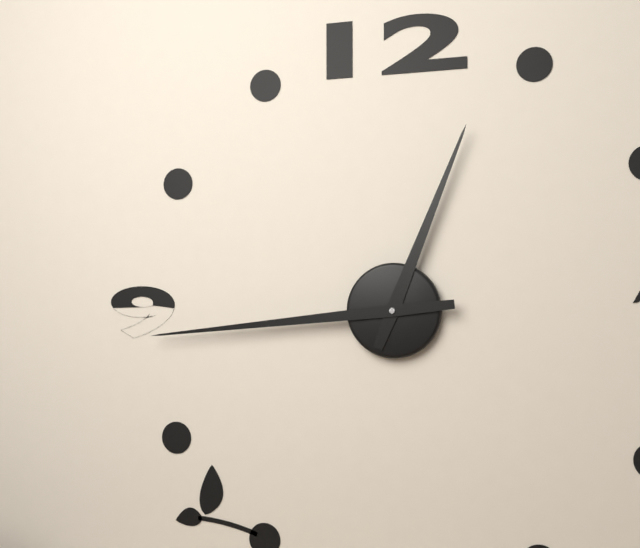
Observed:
12.44
